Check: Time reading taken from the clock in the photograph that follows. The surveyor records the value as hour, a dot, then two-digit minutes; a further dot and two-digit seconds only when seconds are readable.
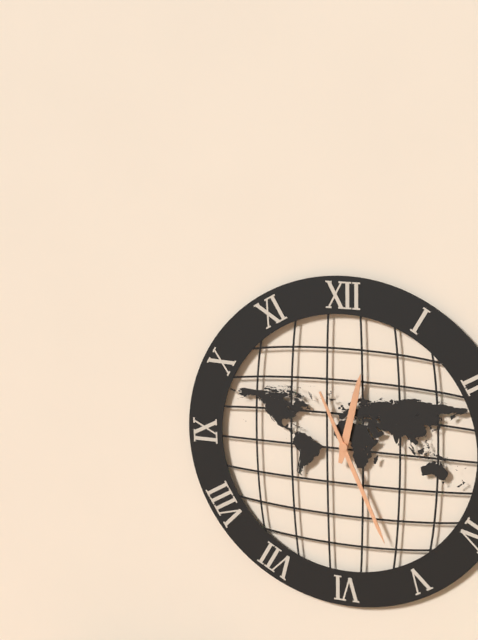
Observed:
12.26
